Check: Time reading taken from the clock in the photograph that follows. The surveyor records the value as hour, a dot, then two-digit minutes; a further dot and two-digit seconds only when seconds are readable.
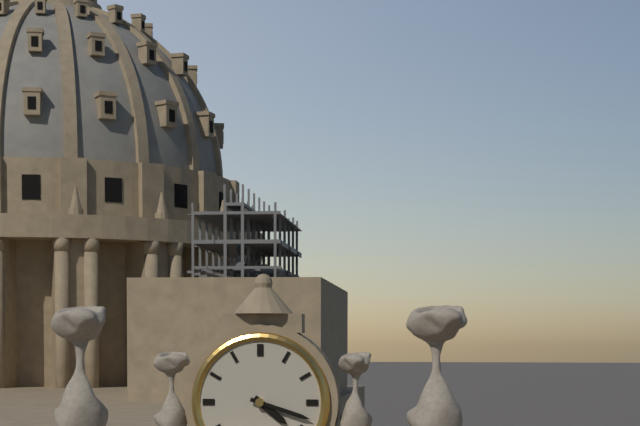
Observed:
4.18
